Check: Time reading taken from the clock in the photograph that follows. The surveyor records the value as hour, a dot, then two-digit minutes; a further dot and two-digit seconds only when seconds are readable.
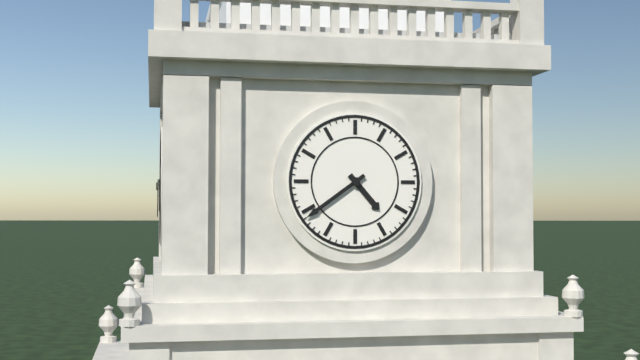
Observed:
4.39
